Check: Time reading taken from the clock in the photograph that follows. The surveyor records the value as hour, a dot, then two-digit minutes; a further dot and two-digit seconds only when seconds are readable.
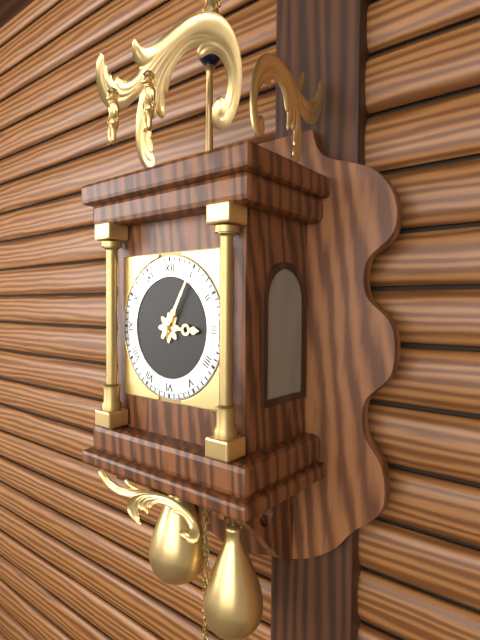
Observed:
3.05
